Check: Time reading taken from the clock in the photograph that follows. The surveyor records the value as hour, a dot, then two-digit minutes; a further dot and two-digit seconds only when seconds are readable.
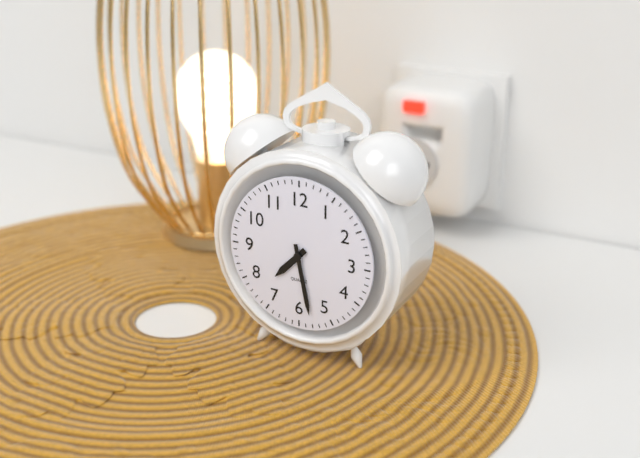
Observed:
7.28
